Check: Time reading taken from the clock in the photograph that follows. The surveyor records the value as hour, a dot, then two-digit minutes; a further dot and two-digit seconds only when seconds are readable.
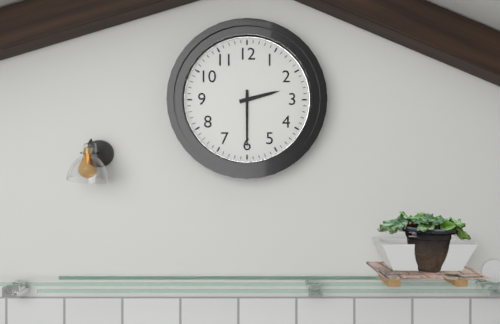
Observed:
2.30
